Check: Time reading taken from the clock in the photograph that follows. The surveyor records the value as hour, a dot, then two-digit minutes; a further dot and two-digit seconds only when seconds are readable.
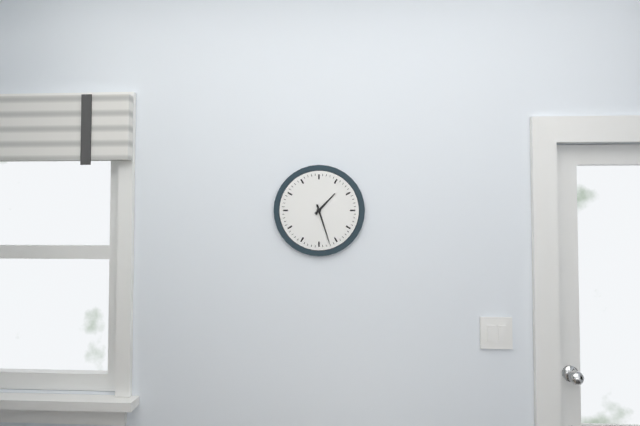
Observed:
1.27
